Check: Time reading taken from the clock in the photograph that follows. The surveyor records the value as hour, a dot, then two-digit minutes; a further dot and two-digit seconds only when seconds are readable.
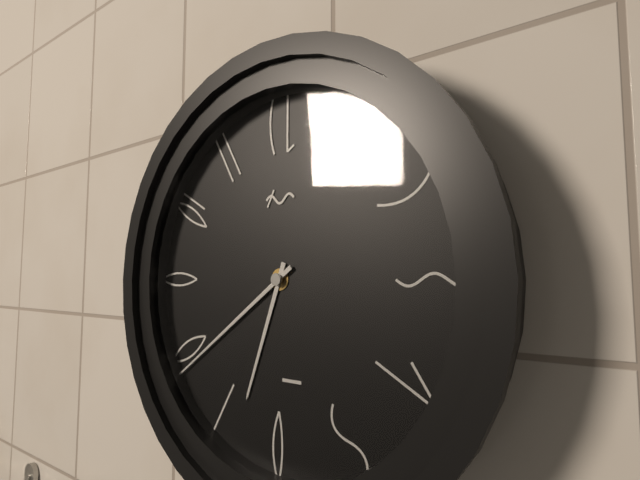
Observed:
6.39
